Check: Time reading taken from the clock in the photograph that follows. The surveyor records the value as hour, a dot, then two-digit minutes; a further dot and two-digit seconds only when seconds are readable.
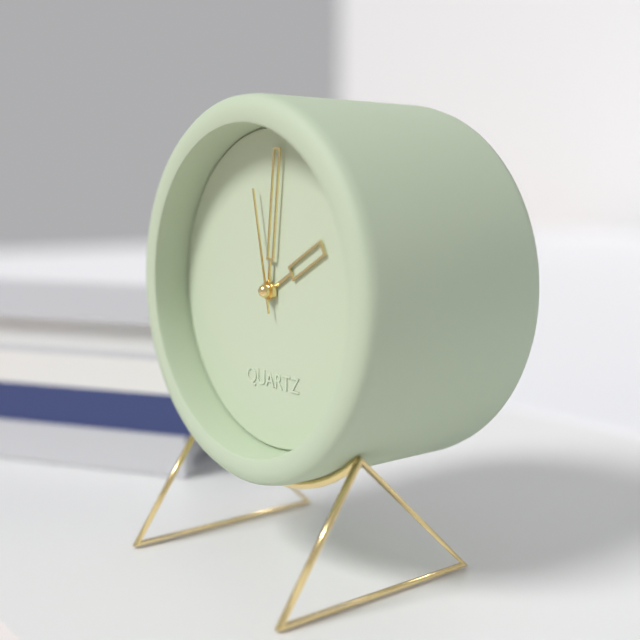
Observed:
2.01.58
